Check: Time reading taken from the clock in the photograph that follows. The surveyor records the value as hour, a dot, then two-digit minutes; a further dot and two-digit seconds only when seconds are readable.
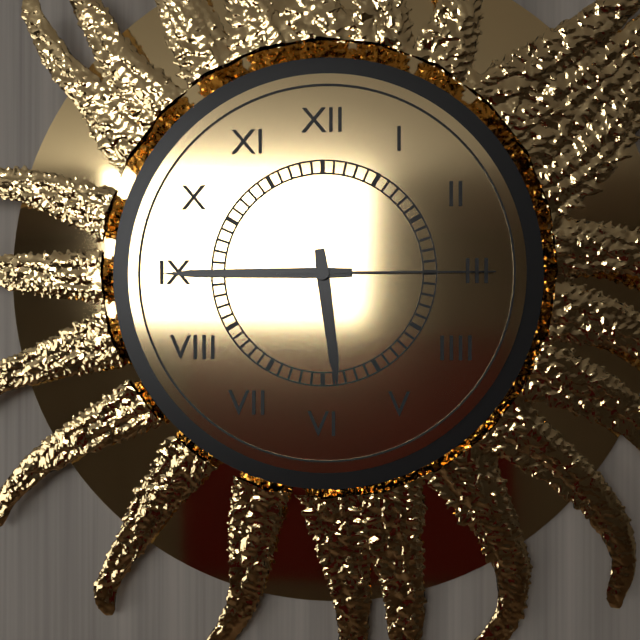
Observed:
5.45.15
